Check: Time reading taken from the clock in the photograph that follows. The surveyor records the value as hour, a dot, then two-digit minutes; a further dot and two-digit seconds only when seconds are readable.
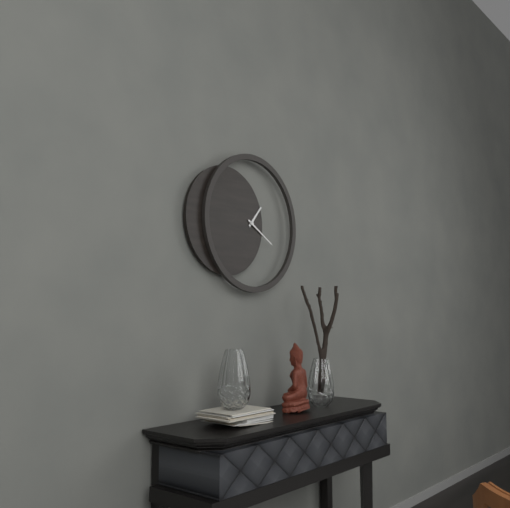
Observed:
1.20
